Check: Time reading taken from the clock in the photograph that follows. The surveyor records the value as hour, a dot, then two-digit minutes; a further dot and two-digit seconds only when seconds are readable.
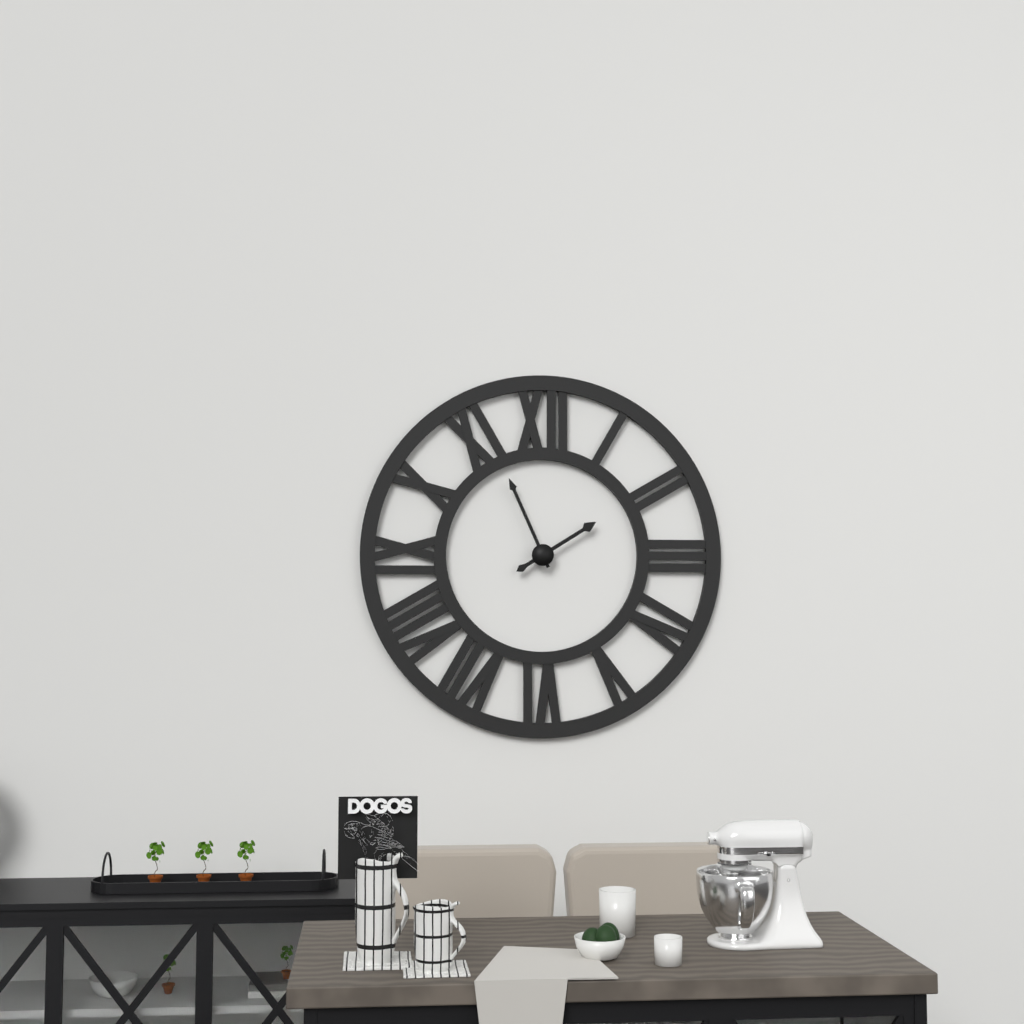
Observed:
1.56
